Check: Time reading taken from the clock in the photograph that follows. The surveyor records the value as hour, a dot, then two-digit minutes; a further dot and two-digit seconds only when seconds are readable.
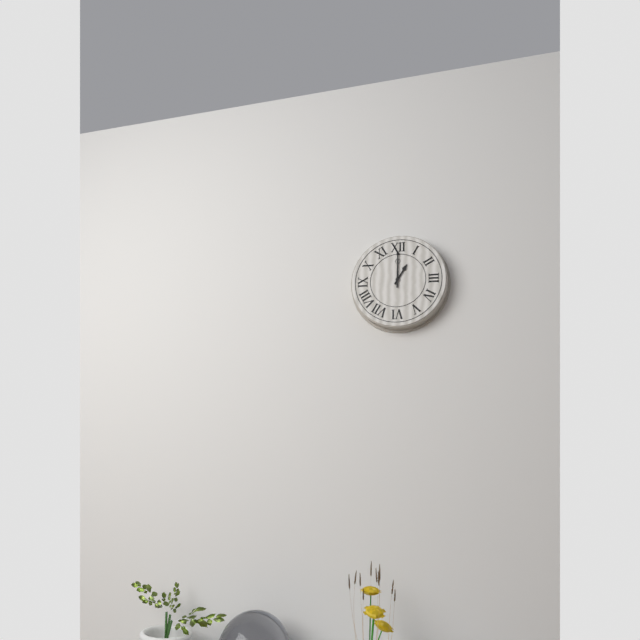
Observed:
1.00
